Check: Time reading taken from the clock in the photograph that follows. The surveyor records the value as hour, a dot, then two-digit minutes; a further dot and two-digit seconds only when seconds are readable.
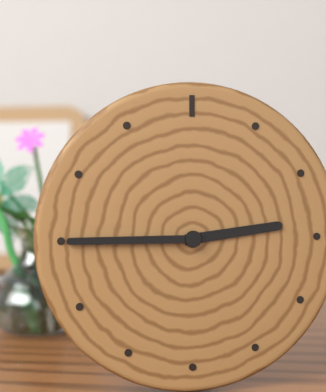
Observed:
2.45
